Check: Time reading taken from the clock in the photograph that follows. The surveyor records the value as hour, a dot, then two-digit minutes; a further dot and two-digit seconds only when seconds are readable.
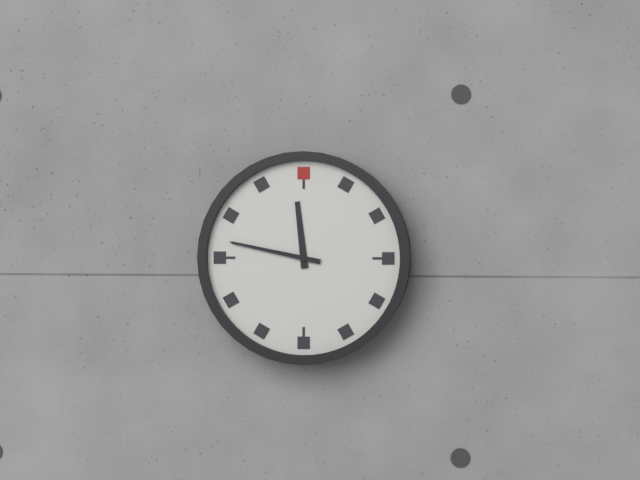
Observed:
11.47
